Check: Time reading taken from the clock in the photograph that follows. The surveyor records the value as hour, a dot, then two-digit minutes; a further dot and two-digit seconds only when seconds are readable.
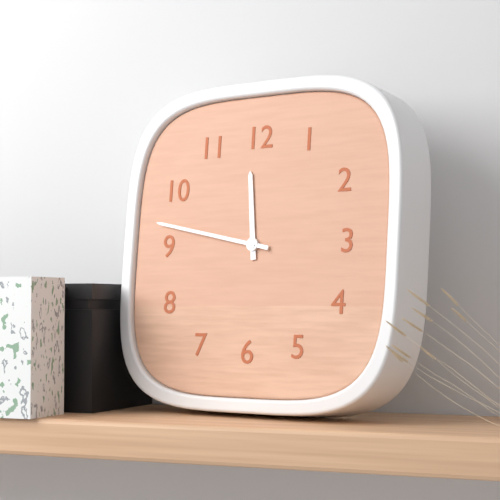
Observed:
11.47
